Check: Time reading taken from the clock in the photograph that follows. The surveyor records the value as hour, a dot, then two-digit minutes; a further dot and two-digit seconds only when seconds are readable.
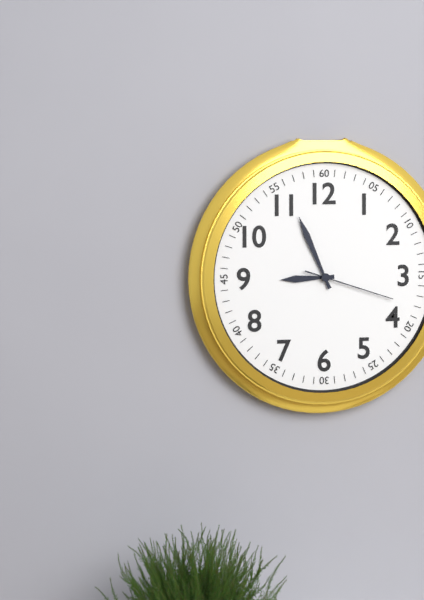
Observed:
8.56.18
